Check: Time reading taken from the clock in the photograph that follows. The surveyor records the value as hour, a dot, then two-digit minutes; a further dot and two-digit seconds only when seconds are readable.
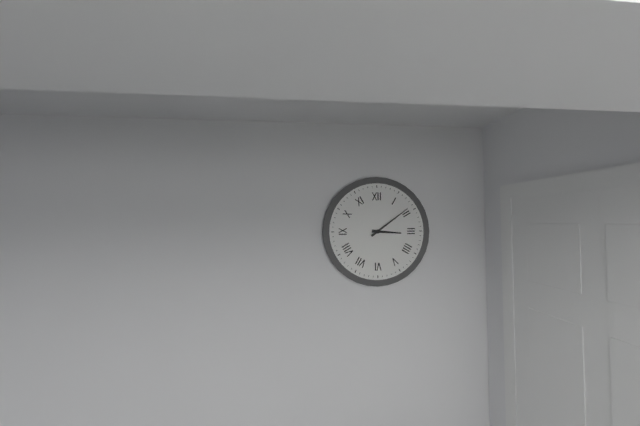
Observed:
3.09
